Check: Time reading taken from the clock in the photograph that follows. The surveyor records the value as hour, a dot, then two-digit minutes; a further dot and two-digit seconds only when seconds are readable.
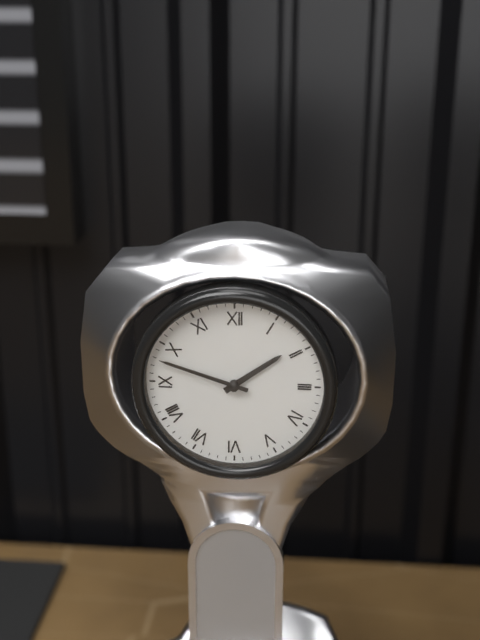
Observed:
1.48
